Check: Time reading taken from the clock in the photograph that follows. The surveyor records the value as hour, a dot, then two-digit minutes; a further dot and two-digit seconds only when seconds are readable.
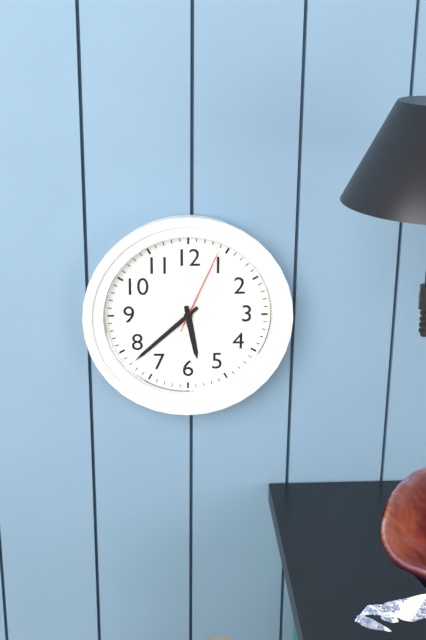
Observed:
5.38.04
